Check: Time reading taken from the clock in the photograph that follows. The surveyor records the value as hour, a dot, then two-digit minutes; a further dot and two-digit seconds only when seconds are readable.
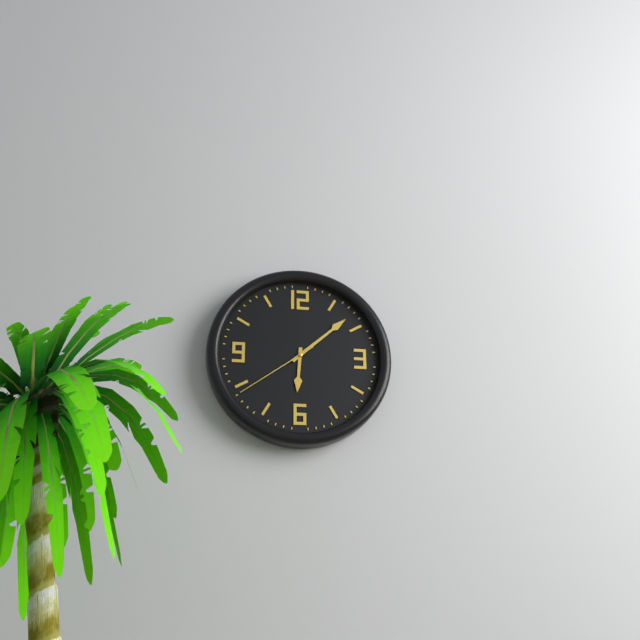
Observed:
6.08.39
